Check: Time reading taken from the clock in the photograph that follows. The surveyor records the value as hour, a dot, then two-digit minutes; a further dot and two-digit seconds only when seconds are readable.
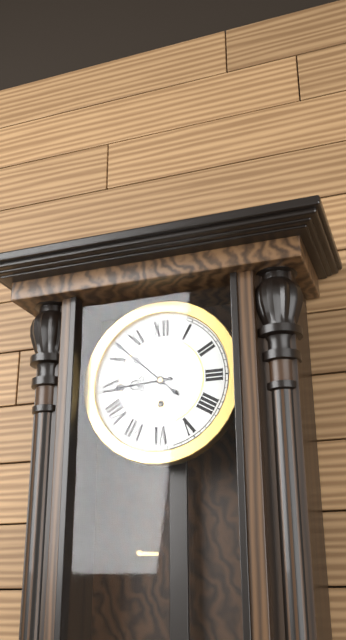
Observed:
8.52
